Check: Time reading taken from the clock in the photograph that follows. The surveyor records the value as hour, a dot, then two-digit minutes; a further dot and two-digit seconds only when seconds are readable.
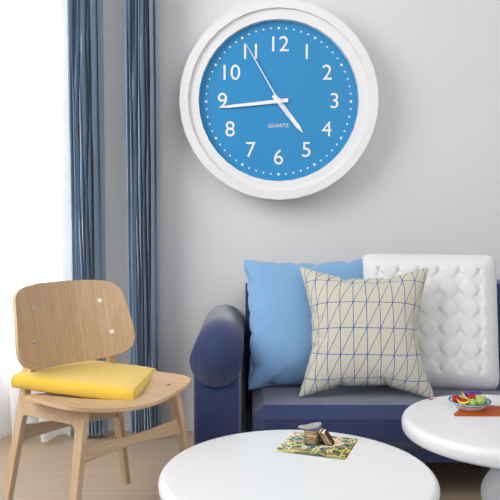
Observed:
4.44.55
